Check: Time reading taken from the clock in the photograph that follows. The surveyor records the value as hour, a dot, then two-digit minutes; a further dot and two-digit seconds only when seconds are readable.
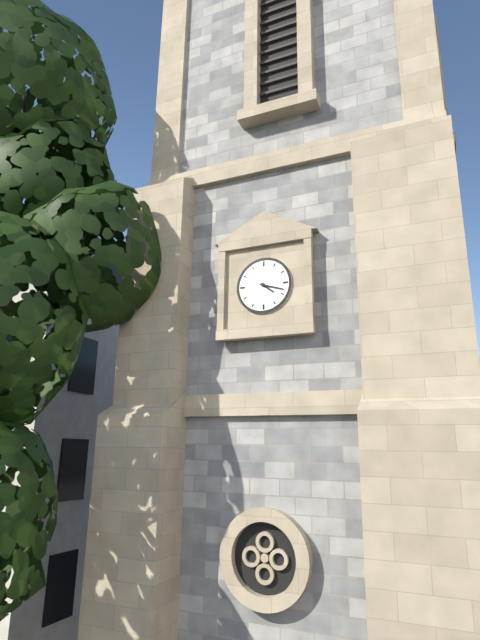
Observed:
4.18
